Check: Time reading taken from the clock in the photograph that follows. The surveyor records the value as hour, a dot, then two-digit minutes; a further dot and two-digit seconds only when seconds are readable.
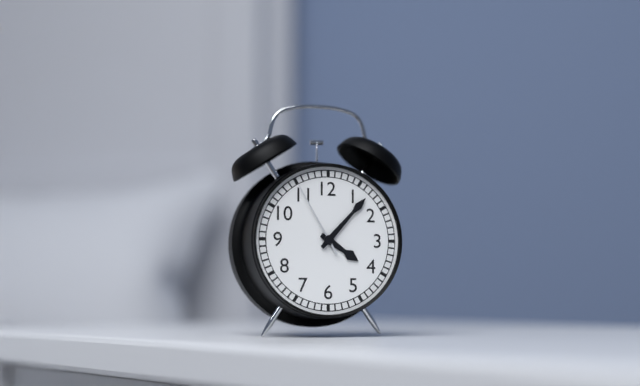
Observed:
4.07.55
